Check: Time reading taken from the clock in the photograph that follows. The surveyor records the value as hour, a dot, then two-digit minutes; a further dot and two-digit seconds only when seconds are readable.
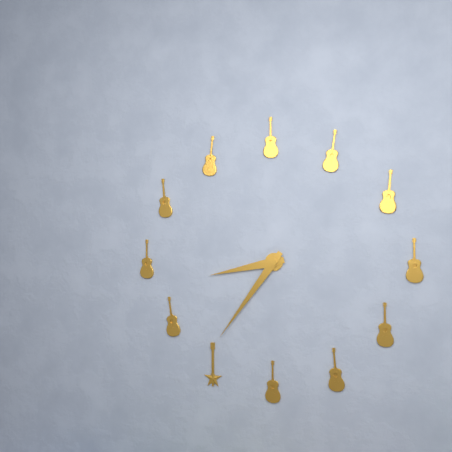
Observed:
8.36
